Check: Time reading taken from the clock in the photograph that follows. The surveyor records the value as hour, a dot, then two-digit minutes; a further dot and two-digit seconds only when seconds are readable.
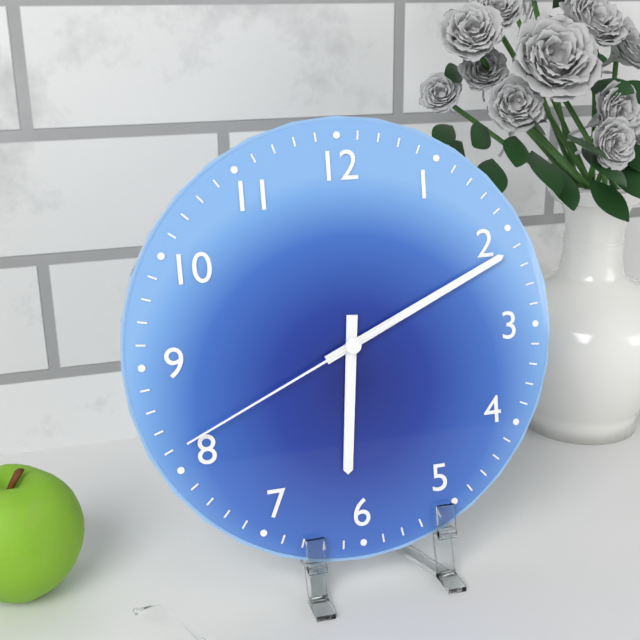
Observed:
6.11.41
